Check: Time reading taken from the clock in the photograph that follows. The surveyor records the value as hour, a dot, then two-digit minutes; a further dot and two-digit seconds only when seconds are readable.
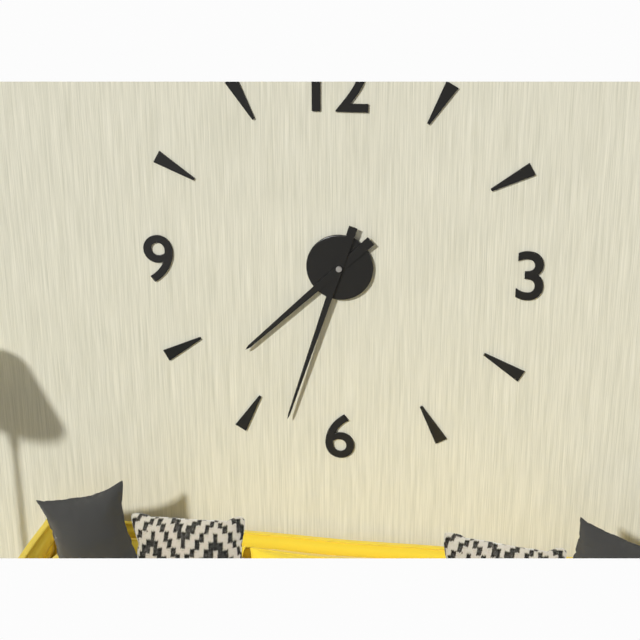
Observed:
7.33
